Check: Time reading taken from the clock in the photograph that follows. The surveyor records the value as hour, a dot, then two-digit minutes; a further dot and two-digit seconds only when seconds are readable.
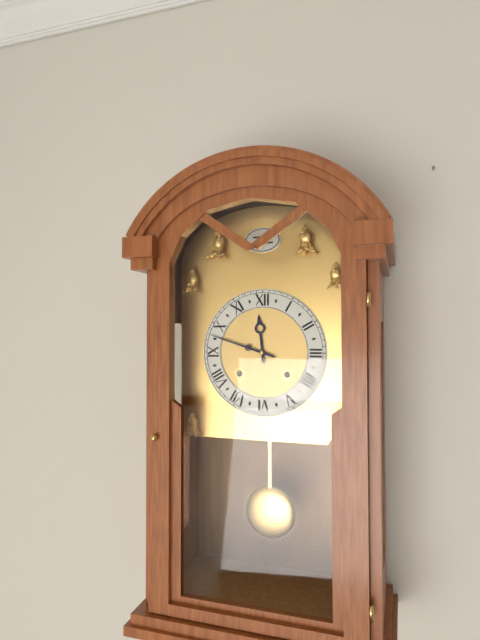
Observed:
11.48
